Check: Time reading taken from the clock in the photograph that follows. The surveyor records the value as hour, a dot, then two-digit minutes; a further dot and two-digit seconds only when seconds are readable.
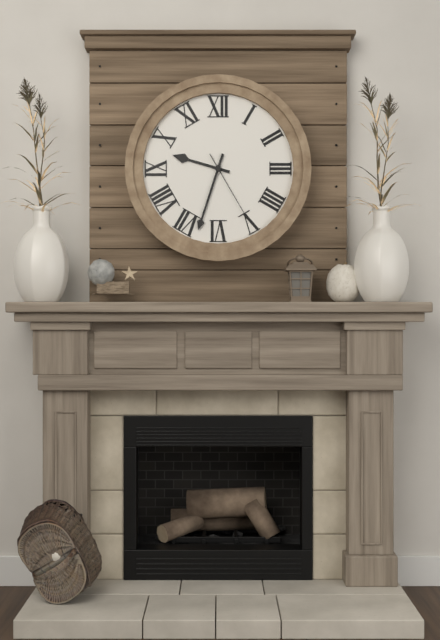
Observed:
9.33.25
